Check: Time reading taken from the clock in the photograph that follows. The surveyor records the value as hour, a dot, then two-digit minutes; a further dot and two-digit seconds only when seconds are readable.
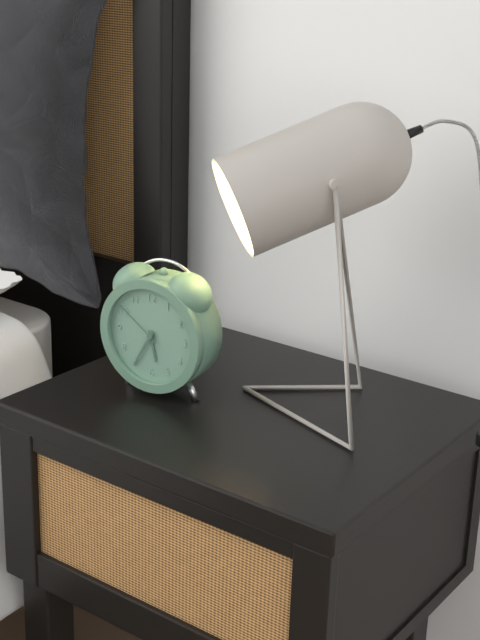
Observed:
5.35.51
